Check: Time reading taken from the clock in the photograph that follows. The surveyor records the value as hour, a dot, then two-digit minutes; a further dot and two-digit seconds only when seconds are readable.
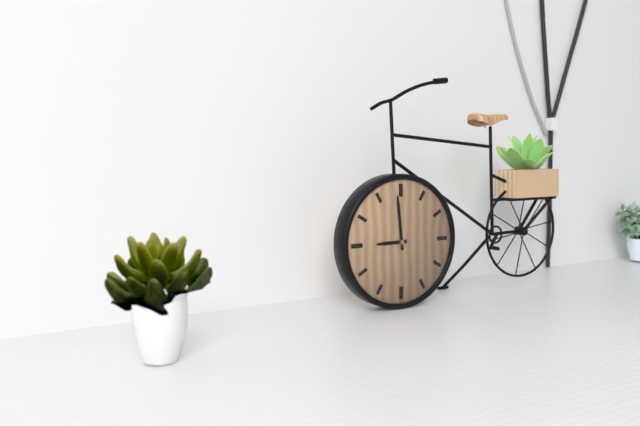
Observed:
8.59
